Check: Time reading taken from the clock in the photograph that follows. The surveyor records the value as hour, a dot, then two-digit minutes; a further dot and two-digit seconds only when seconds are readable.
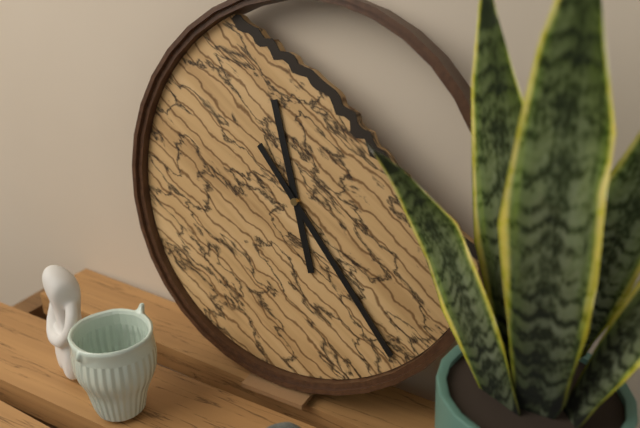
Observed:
11.23
